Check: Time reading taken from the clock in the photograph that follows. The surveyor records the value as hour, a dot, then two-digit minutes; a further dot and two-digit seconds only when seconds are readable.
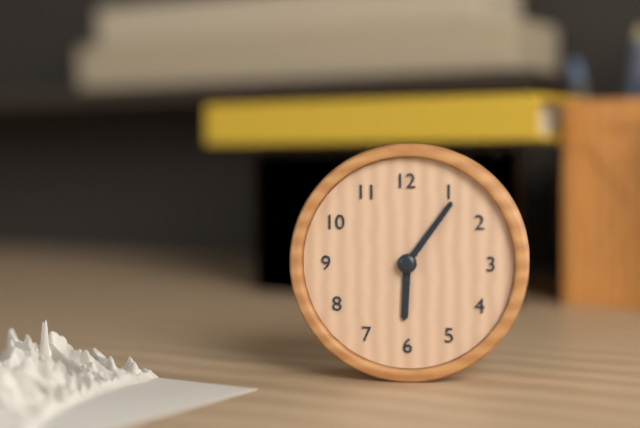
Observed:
6.06
